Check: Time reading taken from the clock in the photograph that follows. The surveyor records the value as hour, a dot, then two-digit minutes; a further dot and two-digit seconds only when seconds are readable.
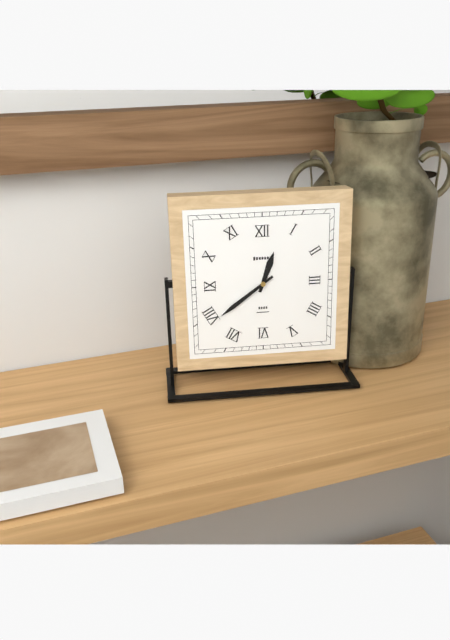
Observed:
12.39
